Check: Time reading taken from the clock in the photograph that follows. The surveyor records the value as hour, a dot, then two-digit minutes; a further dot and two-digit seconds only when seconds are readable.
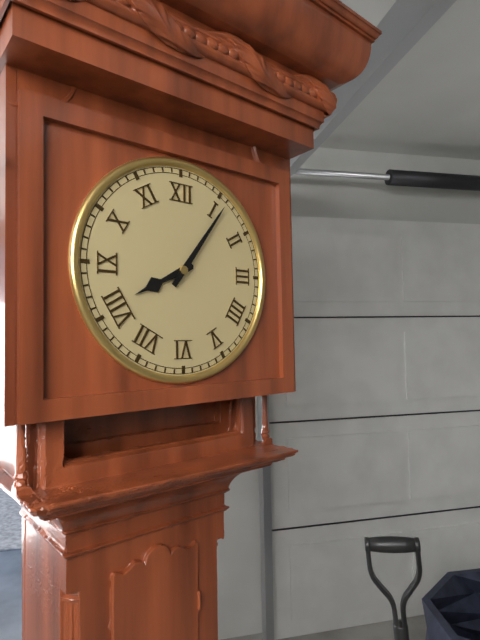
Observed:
8.06
